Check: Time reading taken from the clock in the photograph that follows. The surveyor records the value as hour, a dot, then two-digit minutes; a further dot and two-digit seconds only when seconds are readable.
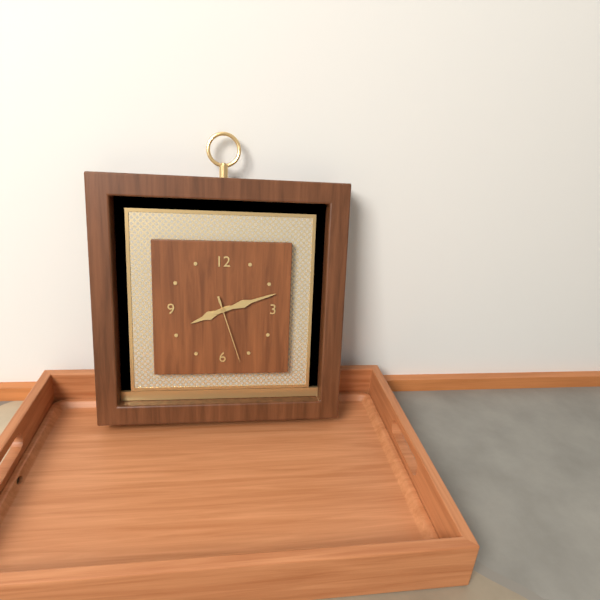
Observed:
8.12.27
